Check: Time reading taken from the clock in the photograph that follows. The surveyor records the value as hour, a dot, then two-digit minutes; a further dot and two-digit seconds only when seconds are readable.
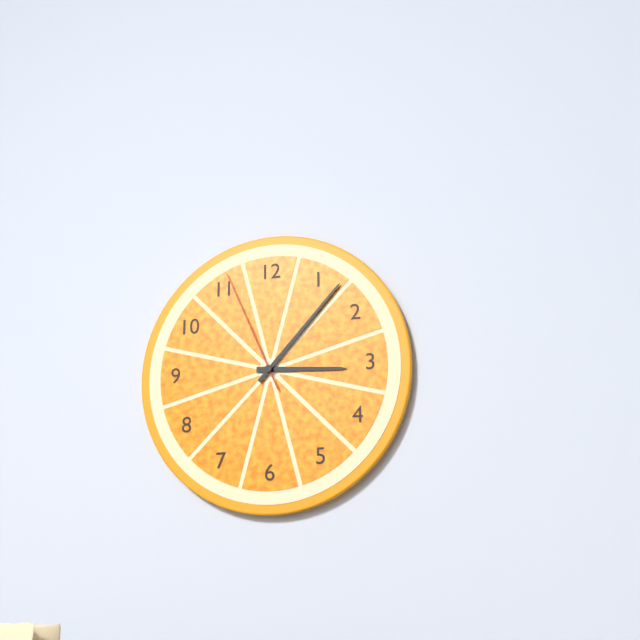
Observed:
3.07.56
